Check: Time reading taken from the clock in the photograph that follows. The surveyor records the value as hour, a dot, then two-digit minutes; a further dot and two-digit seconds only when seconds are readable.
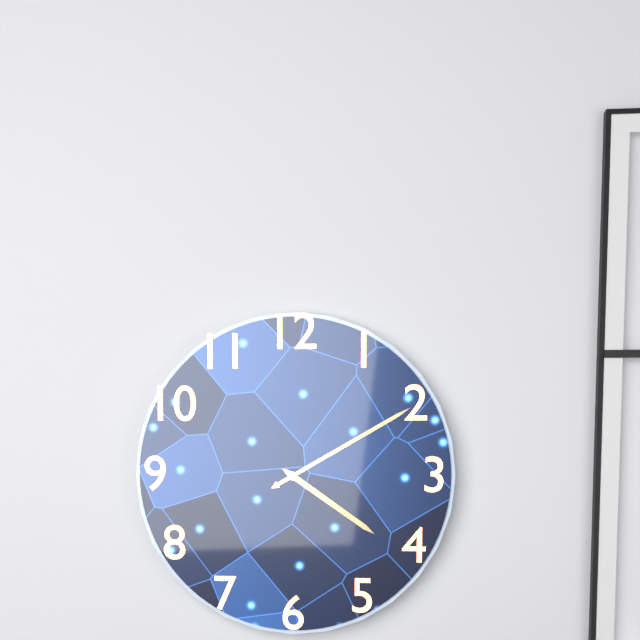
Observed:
4.10
